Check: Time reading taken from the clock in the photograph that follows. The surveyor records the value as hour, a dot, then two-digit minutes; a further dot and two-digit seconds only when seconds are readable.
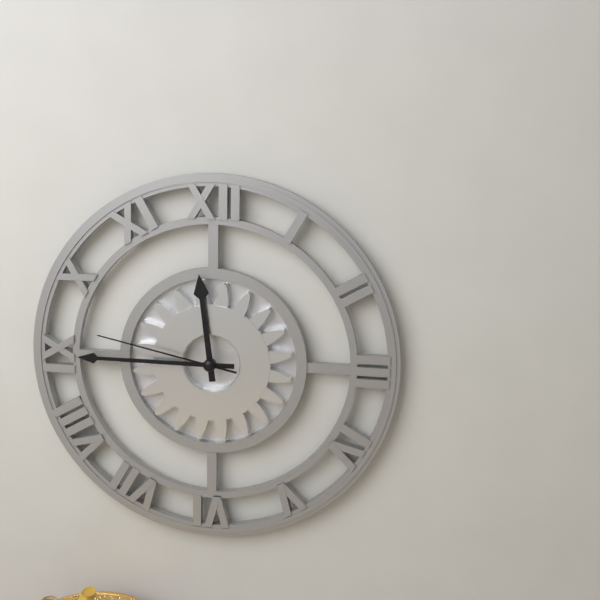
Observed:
11.45.47
